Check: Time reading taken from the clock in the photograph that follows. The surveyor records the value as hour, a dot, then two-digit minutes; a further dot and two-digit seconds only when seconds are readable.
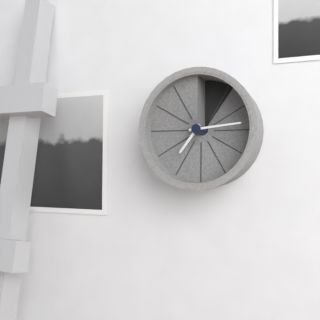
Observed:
7.14
